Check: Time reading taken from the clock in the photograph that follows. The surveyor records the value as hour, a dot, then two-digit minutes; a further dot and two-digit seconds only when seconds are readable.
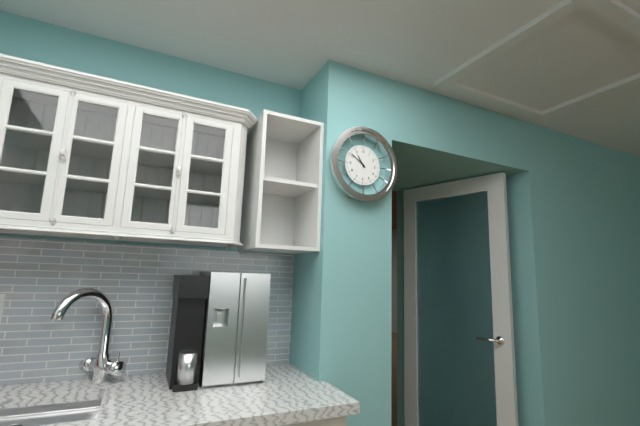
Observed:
10.51
